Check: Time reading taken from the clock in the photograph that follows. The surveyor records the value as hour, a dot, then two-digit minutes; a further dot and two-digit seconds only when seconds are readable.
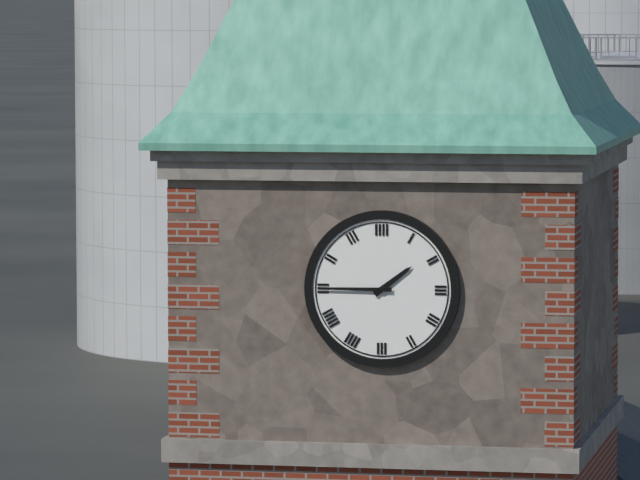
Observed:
1.45
